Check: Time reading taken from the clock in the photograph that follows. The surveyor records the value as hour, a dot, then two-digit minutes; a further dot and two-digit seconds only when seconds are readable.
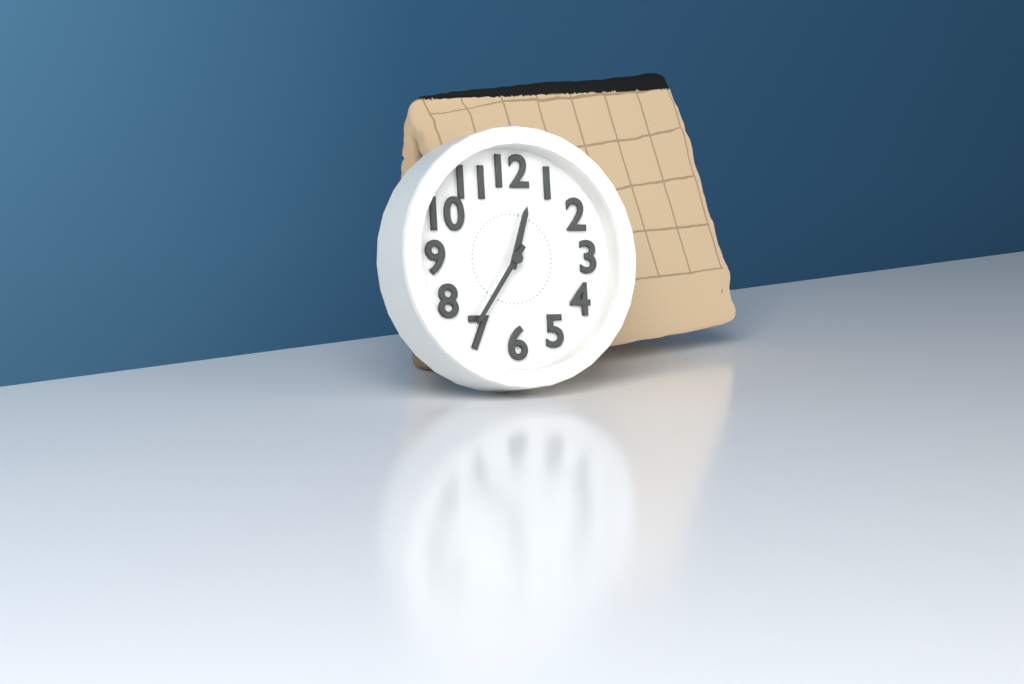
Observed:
12.36
